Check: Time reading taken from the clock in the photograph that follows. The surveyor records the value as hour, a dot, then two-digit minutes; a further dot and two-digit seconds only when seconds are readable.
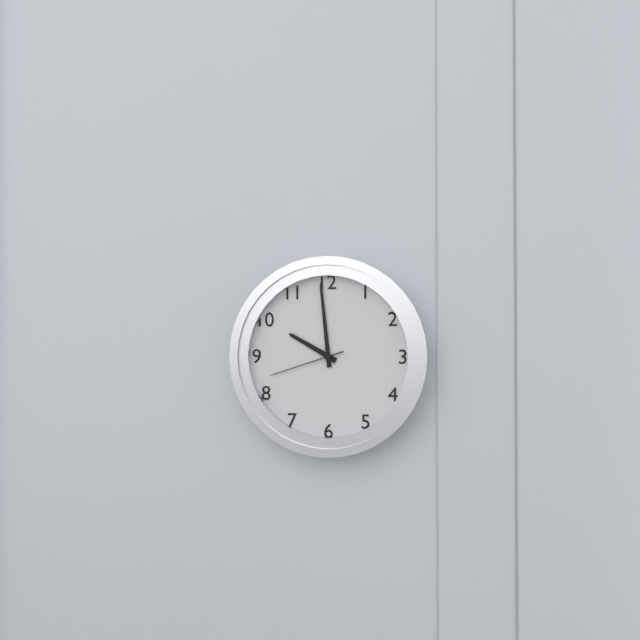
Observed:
9.59.42
